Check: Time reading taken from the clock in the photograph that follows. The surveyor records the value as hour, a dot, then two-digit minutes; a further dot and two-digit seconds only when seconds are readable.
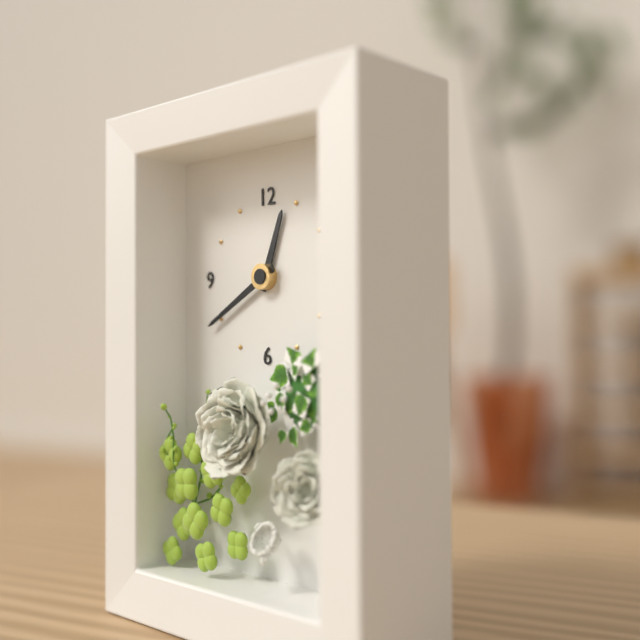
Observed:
12.40
